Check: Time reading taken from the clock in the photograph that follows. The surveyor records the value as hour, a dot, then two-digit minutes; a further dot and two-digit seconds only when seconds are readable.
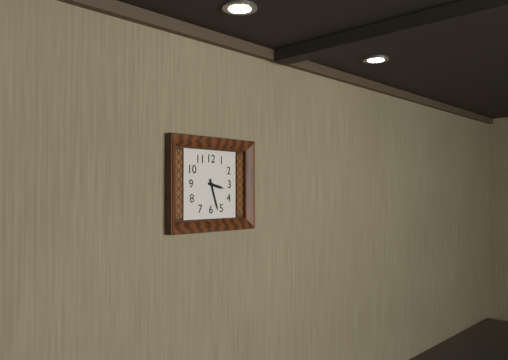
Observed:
3.27
